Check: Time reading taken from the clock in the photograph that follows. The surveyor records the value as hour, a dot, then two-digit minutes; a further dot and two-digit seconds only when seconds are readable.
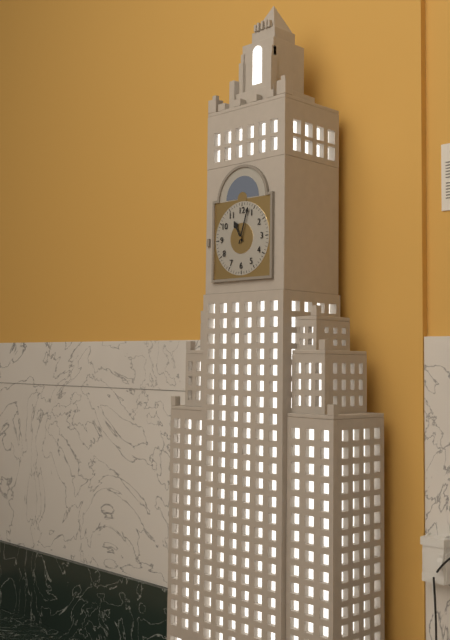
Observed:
11.03
